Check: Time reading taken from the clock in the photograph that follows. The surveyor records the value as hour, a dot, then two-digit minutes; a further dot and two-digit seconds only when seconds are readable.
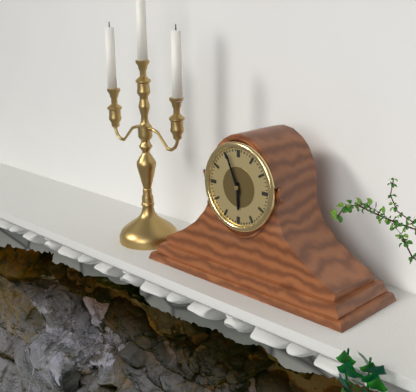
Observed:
5.56
